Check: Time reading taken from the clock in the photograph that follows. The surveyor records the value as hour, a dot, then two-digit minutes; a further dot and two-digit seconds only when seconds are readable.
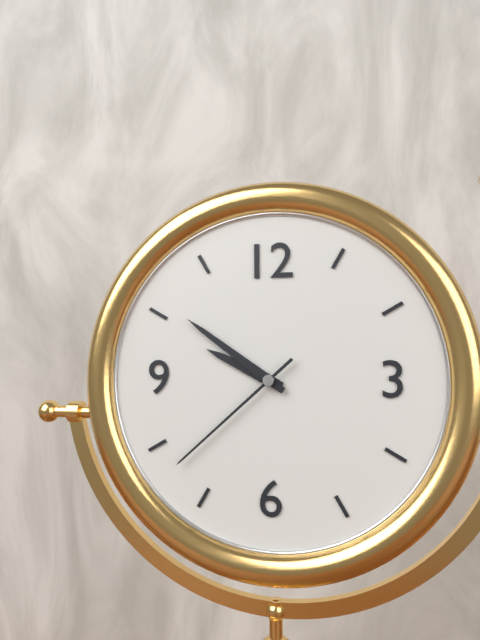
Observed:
9.51.38
